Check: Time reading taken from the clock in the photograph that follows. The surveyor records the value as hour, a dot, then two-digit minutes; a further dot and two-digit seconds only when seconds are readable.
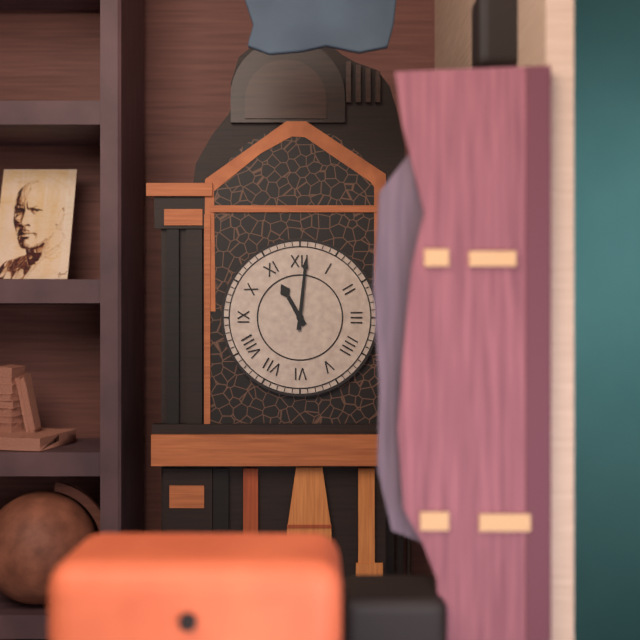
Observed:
11.01
